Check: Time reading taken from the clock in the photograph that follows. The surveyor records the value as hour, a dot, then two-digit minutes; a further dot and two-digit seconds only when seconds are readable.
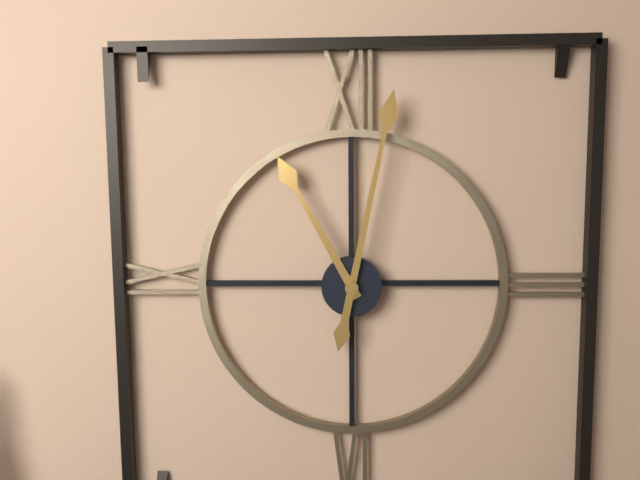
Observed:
11.02
